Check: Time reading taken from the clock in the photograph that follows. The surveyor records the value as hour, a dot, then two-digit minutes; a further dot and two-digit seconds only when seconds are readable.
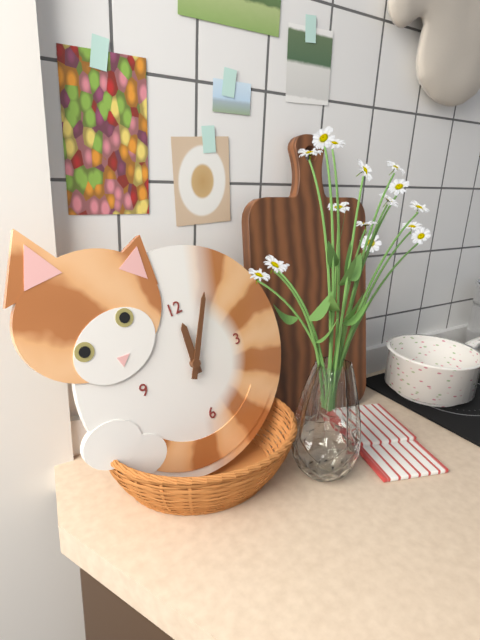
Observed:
12.05
